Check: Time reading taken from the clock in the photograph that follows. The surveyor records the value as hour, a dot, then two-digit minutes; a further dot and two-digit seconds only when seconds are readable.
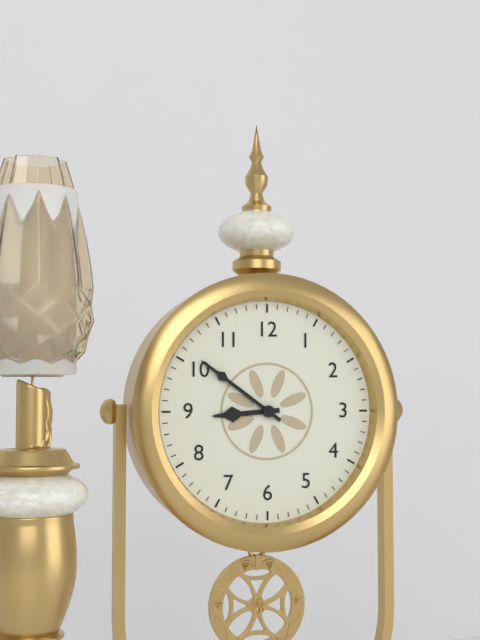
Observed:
8.51
